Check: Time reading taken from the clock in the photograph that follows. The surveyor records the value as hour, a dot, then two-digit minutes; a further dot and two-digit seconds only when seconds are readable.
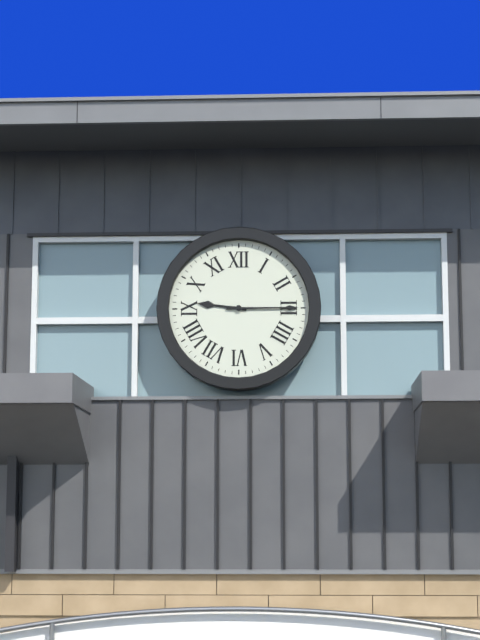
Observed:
9.15
